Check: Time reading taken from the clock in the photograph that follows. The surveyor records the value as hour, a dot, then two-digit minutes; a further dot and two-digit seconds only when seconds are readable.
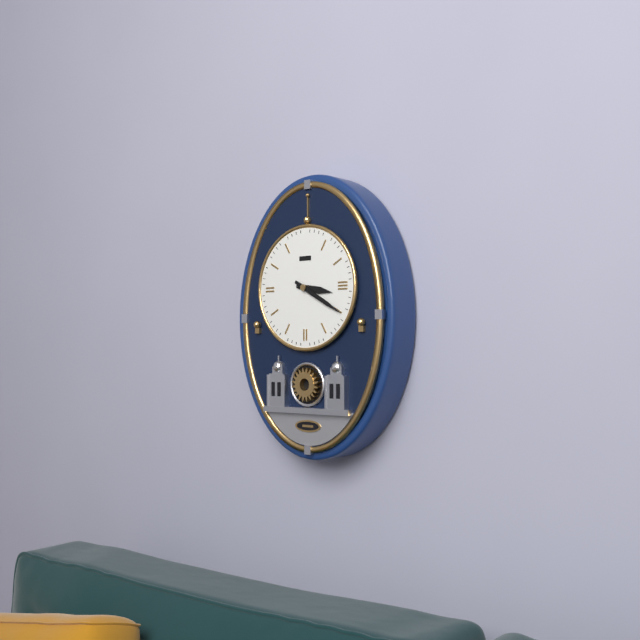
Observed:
3.20
